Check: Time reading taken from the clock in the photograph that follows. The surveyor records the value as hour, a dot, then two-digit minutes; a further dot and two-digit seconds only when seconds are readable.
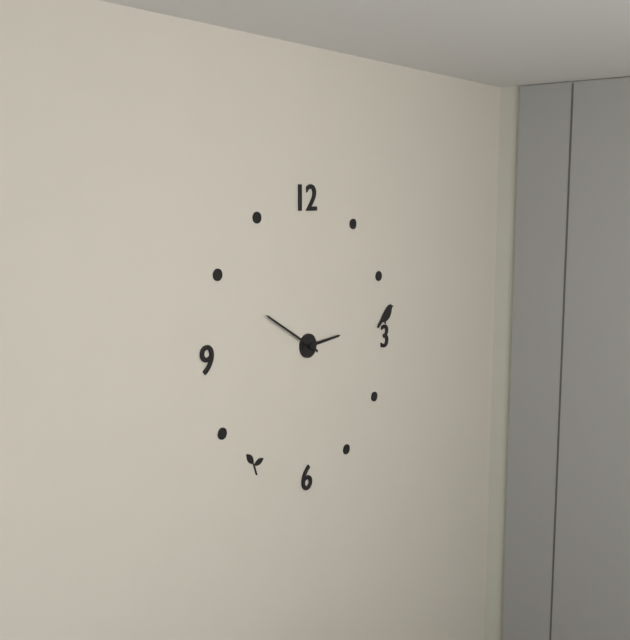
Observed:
2.50
